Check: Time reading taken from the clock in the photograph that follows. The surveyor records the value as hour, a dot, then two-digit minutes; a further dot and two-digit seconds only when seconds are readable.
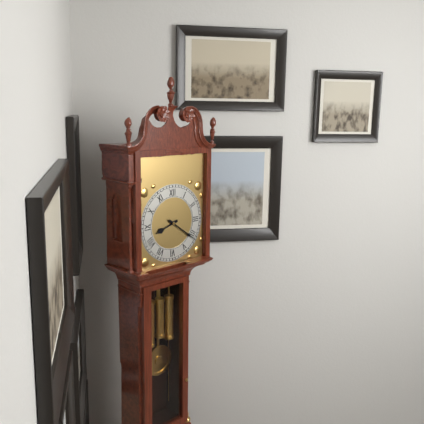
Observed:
8.21
